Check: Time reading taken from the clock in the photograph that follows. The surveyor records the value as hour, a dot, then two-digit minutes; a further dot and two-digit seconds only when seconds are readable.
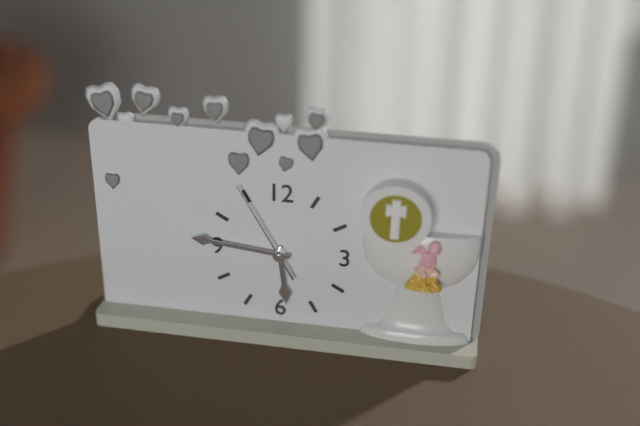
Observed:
5.46.55
